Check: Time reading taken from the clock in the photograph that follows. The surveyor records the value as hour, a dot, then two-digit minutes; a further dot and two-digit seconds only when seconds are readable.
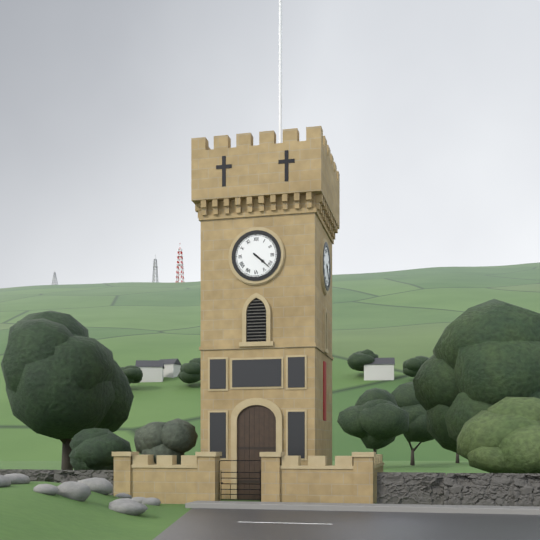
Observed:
4.22
